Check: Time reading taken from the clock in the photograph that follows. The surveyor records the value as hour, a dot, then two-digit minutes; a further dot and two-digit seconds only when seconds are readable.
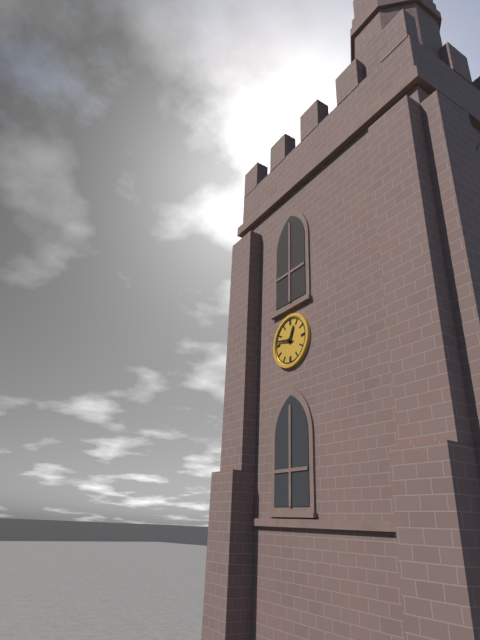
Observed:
12.47
